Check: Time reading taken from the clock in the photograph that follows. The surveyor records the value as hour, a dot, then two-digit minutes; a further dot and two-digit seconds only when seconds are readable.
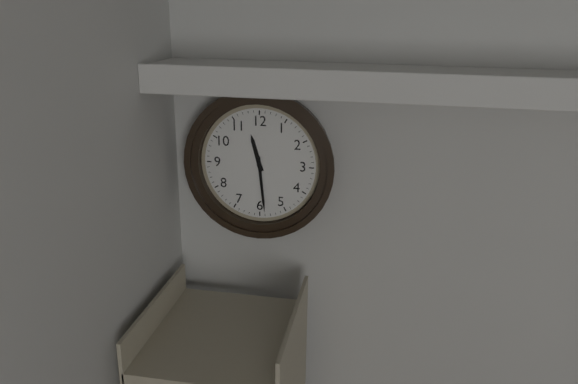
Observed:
11.29
